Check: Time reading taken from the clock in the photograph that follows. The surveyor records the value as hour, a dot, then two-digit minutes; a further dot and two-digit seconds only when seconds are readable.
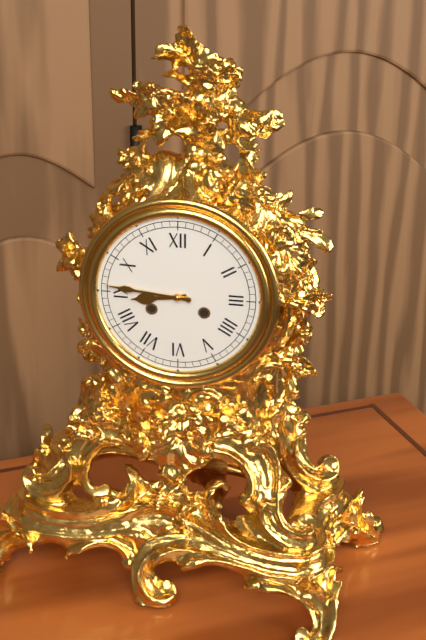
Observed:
8.46
